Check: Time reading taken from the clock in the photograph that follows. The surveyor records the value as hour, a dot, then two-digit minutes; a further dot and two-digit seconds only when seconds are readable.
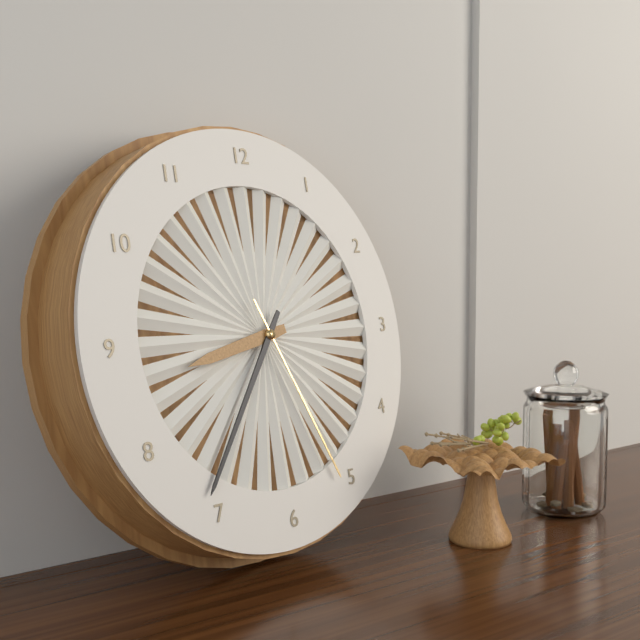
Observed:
8.36.26
